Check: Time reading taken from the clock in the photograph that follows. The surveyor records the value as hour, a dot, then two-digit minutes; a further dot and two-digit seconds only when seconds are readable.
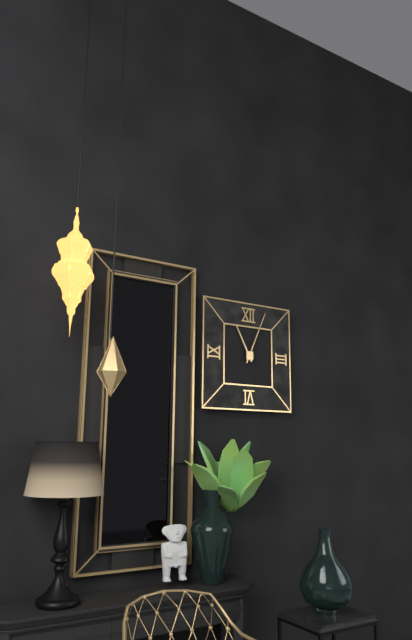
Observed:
11.04
